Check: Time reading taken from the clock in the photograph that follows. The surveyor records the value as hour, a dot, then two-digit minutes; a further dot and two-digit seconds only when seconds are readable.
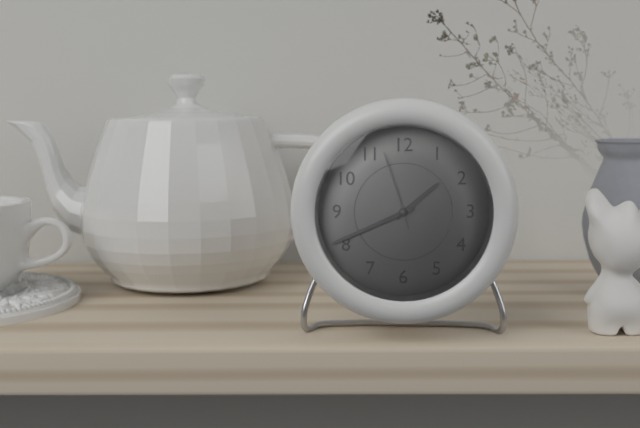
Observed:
1.41.57
